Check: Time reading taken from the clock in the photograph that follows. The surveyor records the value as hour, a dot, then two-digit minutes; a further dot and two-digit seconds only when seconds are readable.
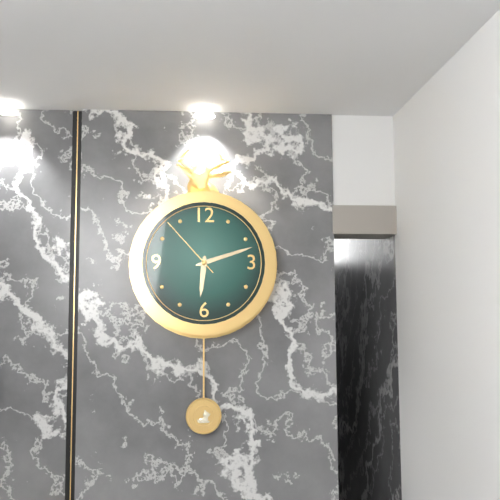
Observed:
6.12.53
